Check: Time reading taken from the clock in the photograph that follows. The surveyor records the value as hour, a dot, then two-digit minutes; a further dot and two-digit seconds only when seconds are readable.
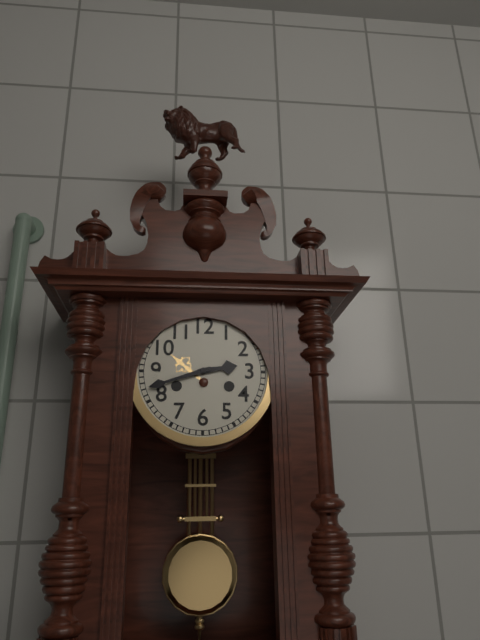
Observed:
2.42
